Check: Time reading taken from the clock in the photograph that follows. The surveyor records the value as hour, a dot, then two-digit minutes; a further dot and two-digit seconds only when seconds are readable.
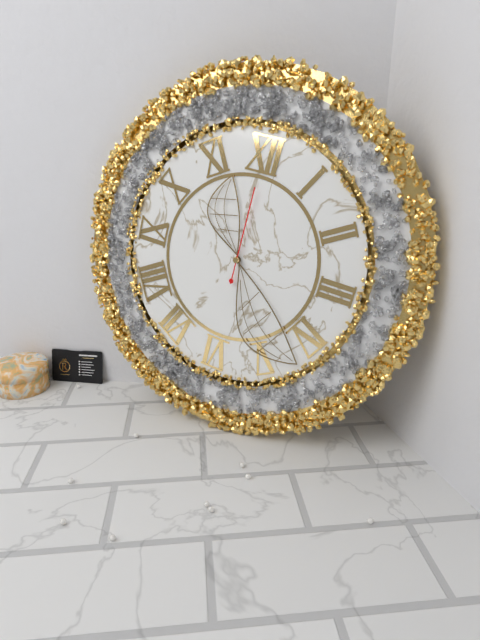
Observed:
11.22.00
